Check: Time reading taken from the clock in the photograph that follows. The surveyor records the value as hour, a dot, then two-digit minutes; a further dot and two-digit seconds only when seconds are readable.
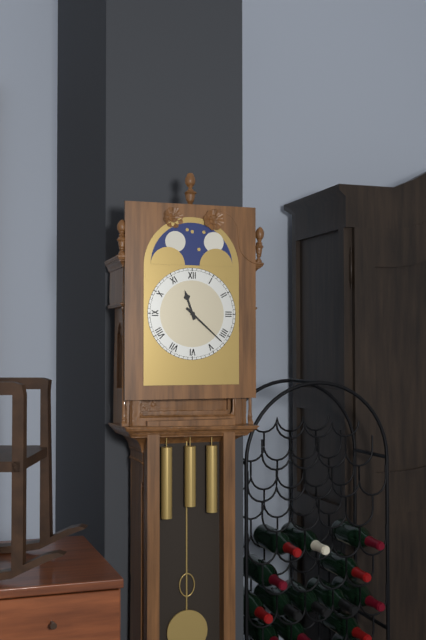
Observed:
11.22
